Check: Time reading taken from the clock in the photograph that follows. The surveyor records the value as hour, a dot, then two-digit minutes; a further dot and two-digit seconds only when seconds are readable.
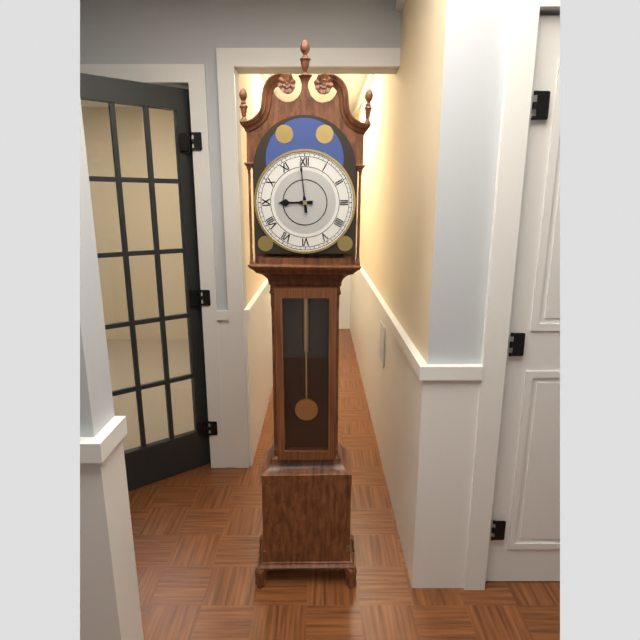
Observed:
8.59
